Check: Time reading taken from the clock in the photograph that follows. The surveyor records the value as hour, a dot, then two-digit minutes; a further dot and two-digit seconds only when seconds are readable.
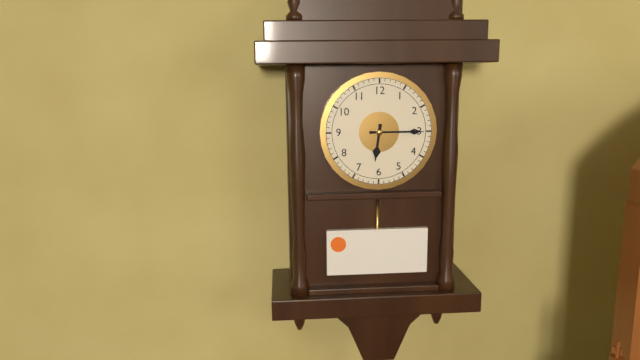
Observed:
6.15
